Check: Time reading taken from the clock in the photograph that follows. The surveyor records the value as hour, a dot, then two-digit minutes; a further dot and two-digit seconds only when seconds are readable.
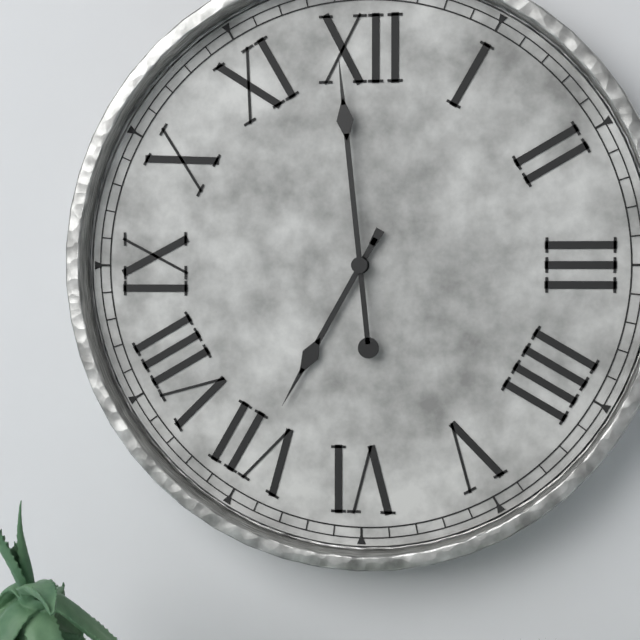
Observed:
6.59
